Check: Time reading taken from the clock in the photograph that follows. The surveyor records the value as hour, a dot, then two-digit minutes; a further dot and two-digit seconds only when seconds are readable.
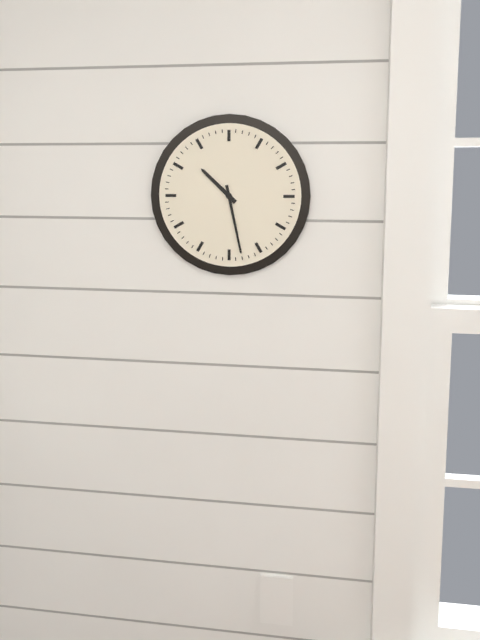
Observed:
10.28
